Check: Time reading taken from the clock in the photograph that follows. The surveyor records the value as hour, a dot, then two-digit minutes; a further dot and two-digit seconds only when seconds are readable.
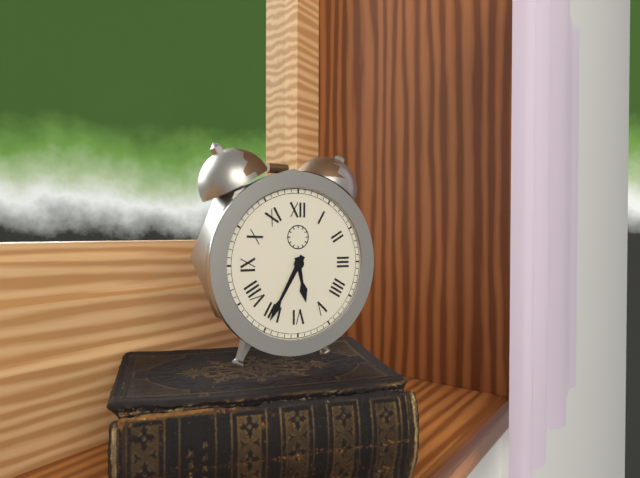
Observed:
5.35
